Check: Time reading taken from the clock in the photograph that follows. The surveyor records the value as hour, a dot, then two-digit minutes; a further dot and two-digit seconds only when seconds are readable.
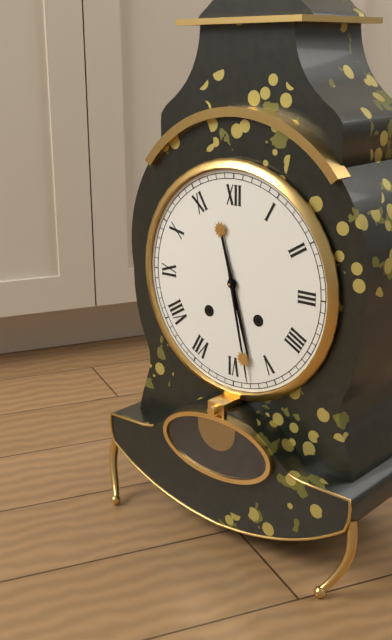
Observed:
5.28
